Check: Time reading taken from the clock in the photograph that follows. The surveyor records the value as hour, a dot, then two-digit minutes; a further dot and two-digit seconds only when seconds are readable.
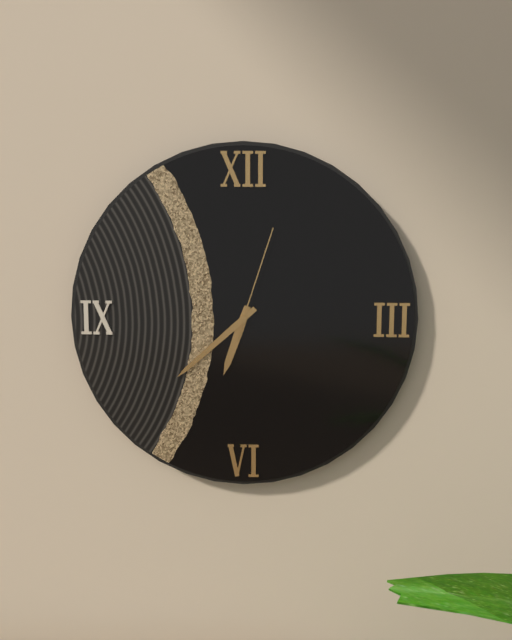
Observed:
6.38.03
